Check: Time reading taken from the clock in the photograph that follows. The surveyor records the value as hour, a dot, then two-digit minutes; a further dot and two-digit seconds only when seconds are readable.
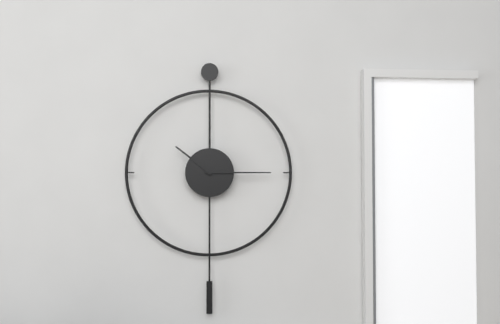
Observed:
10.15
